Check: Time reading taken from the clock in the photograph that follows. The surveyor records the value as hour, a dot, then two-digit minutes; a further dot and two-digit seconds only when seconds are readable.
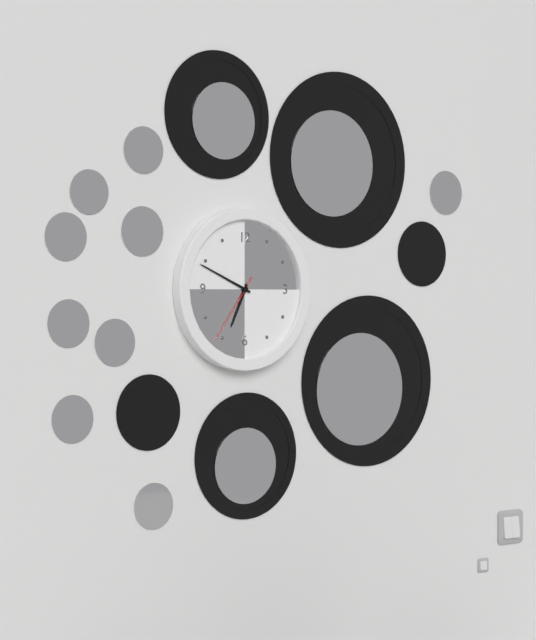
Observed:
6.49.36
